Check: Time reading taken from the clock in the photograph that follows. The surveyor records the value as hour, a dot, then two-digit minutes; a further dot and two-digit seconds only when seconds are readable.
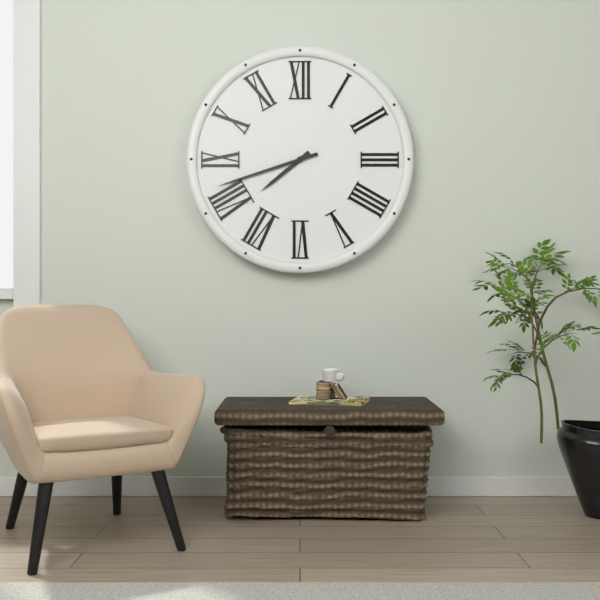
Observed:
7.42
